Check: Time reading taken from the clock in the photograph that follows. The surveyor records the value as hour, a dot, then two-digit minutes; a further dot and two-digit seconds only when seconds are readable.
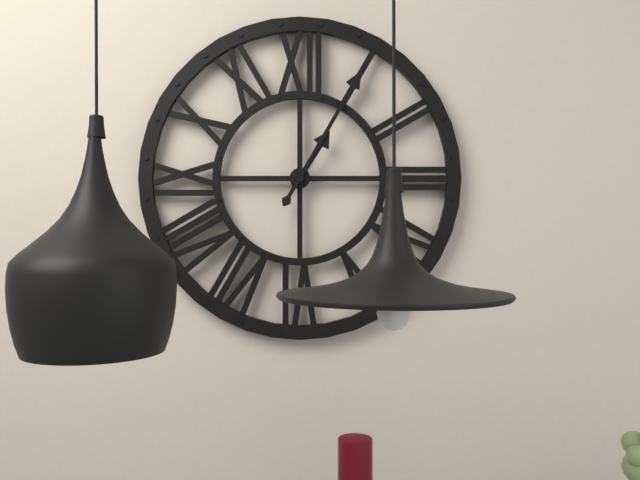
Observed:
1.05
